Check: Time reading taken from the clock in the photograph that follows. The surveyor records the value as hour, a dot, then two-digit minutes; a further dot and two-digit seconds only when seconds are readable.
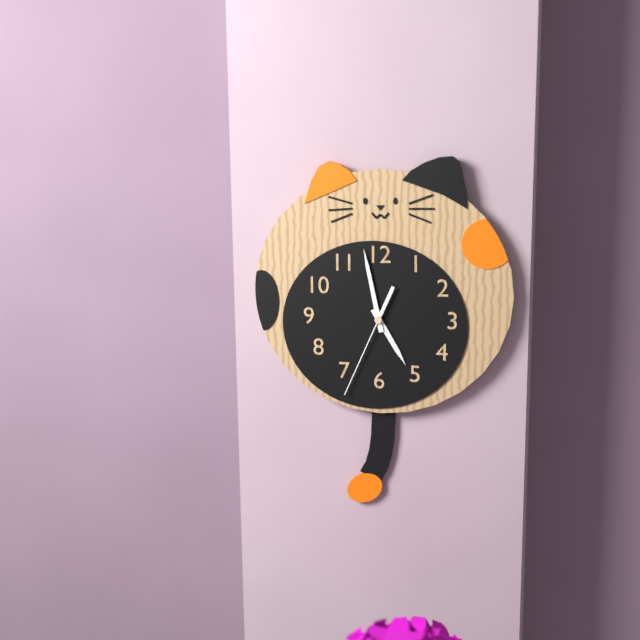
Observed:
4.58.34
